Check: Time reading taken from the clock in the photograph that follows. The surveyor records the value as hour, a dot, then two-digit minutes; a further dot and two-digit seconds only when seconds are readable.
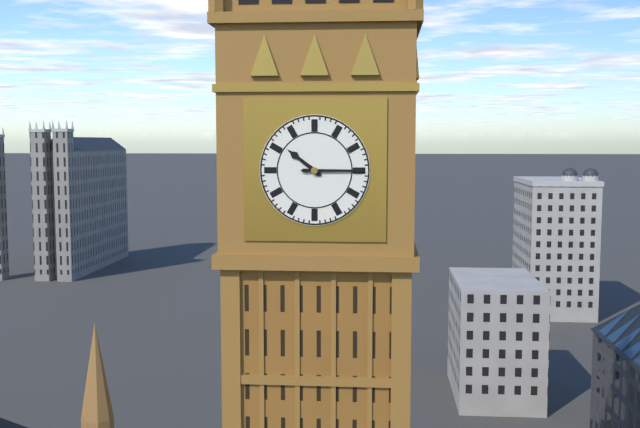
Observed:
10.15
